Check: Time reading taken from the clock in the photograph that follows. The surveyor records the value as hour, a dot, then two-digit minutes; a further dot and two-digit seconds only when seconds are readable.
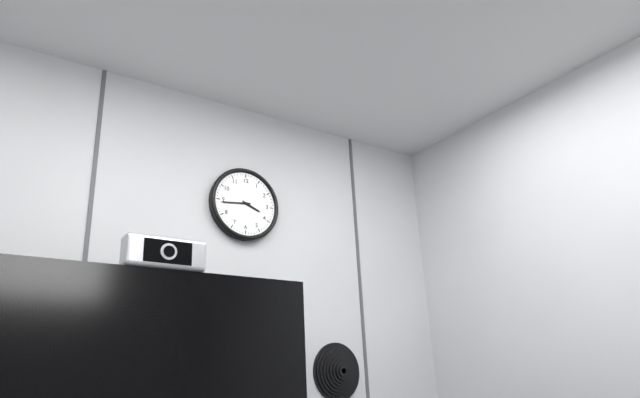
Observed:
3.44
